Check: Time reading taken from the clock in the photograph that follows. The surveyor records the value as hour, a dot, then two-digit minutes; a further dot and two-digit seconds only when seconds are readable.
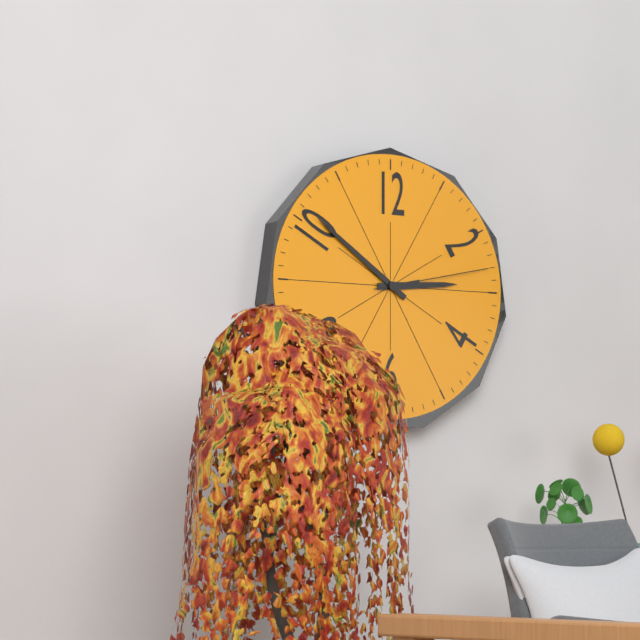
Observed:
2.51.13
